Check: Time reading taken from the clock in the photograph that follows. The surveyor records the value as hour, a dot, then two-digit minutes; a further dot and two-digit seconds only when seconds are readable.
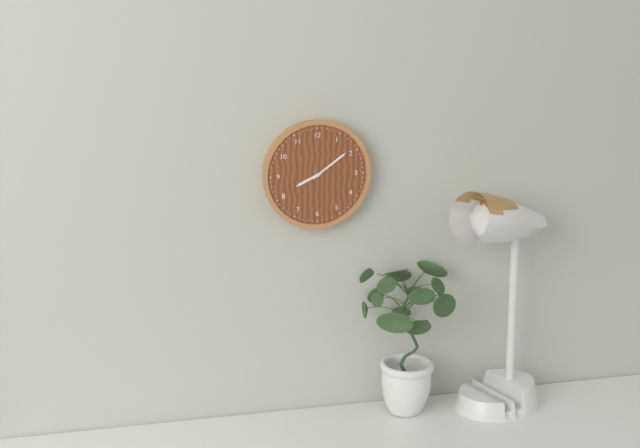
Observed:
8.09
